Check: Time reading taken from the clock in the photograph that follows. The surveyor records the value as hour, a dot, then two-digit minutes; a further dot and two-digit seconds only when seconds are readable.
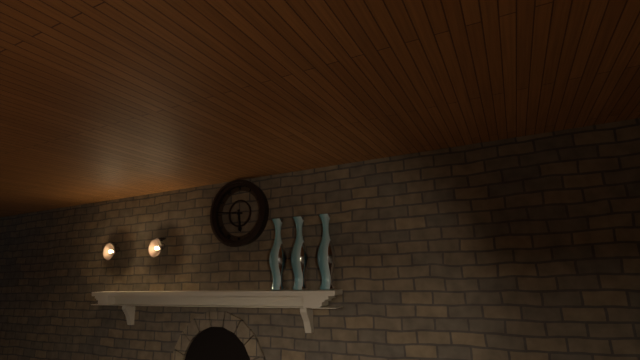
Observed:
5.46
